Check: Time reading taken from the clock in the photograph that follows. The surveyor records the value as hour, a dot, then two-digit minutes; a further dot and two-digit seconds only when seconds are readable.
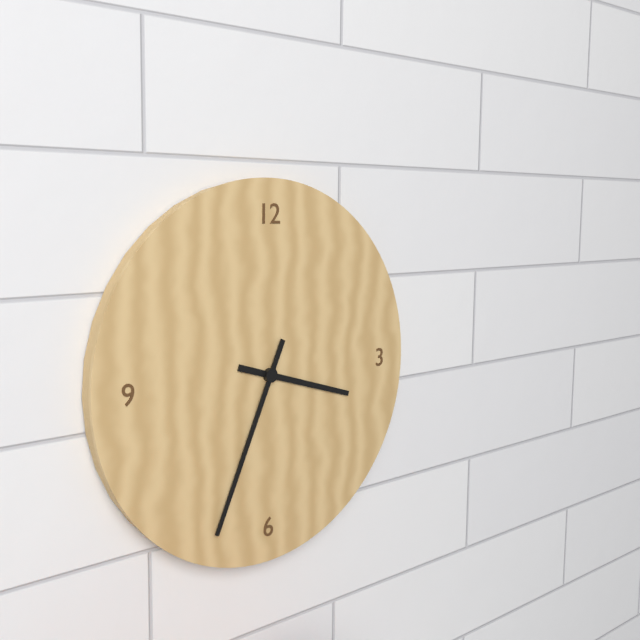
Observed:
3.34
